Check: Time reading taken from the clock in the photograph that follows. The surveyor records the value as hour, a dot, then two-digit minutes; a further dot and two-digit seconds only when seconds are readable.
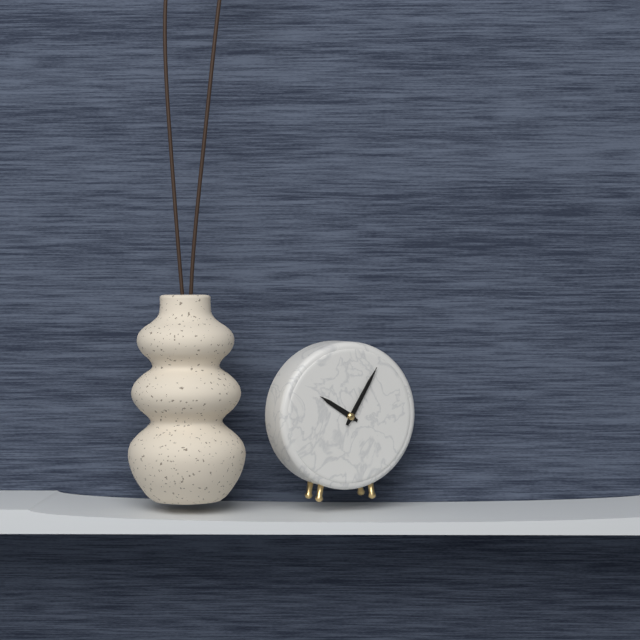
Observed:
10.05
